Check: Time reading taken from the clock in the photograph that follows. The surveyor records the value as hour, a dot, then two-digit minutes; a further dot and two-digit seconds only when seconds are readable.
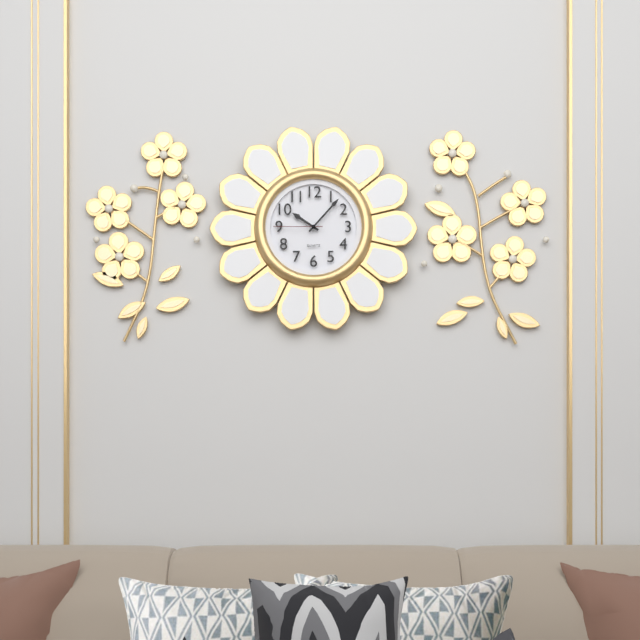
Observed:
10.07.45
